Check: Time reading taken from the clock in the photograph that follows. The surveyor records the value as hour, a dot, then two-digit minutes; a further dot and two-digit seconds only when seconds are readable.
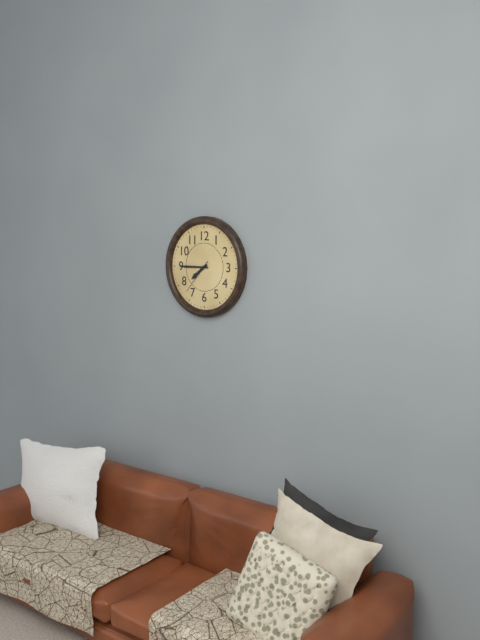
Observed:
7.45
